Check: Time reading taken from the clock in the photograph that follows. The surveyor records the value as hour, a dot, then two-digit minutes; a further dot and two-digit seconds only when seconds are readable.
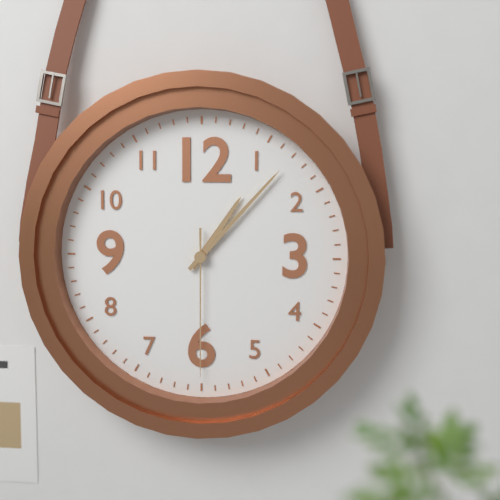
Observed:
1.07.30
